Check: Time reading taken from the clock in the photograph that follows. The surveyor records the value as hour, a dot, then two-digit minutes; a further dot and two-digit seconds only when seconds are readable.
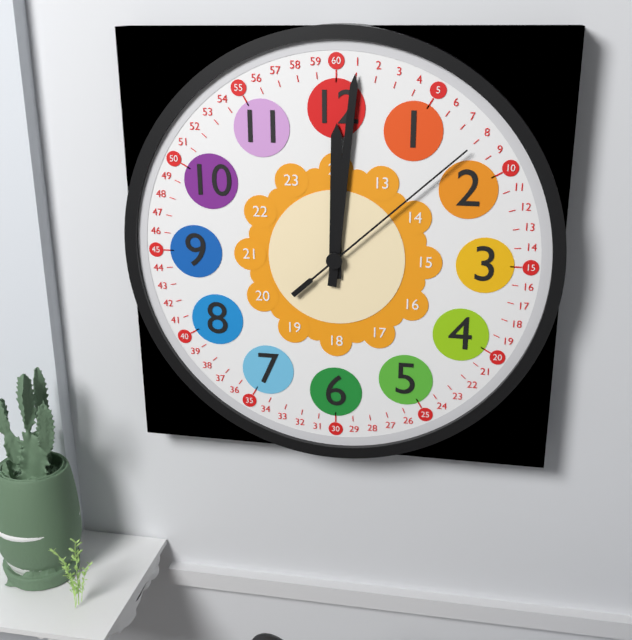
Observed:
12.01.08
